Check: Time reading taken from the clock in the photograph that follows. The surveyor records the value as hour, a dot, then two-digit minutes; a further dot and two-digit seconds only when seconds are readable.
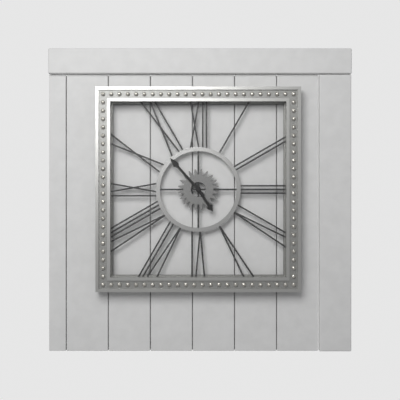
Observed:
4.53
